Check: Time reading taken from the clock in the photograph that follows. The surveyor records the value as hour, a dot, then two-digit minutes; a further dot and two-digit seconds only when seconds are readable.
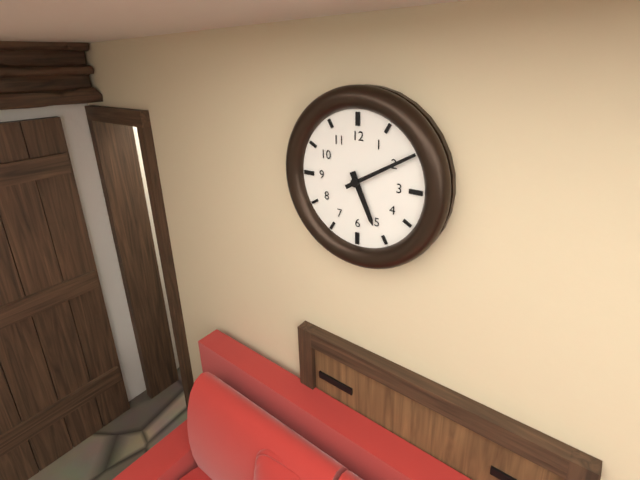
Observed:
5.10
